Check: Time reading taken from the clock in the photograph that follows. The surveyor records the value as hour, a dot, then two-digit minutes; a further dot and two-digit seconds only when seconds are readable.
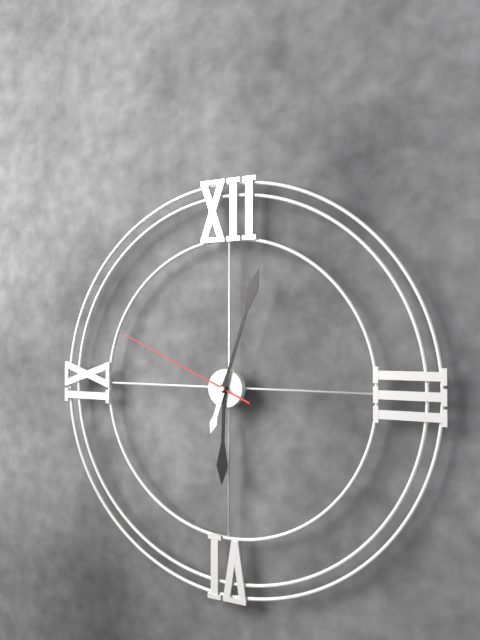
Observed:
6.03.49
